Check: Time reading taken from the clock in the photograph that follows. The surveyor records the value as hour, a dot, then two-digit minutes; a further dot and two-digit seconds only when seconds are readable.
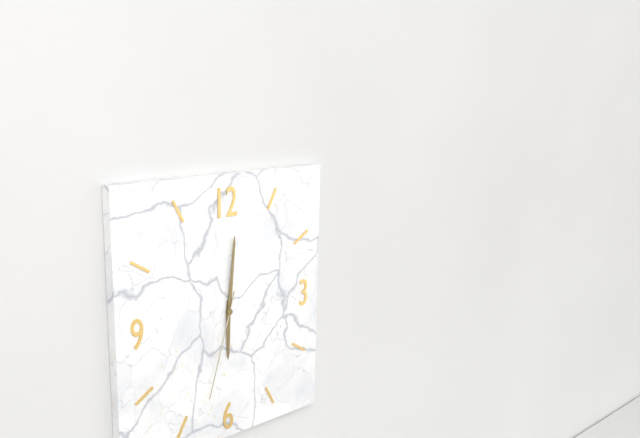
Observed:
6.01.33
